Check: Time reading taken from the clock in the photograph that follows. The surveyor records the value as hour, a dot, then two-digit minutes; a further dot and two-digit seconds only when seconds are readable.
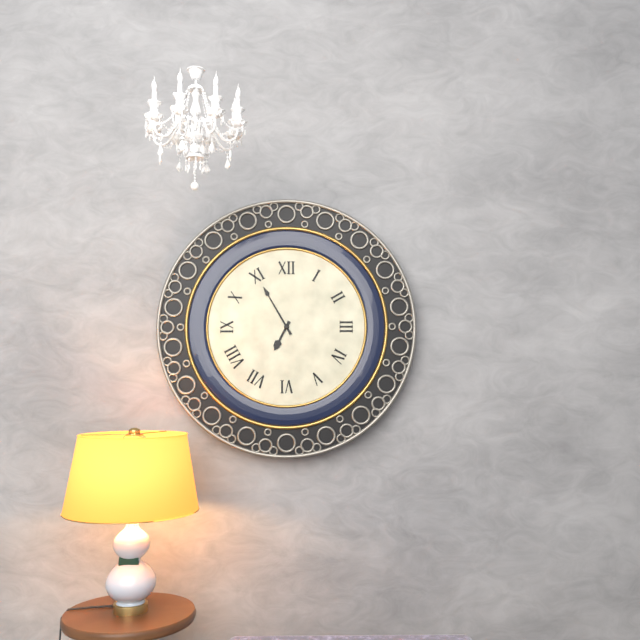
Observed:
6.55
